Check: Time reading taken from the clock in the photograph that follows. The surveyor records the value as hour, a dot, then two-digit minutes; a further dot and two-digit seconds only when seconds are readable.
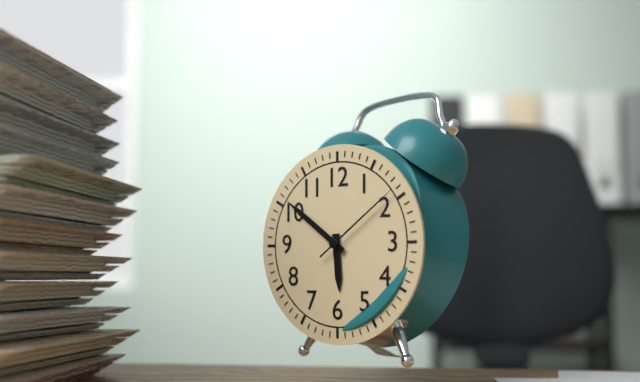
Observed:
5.51.09
